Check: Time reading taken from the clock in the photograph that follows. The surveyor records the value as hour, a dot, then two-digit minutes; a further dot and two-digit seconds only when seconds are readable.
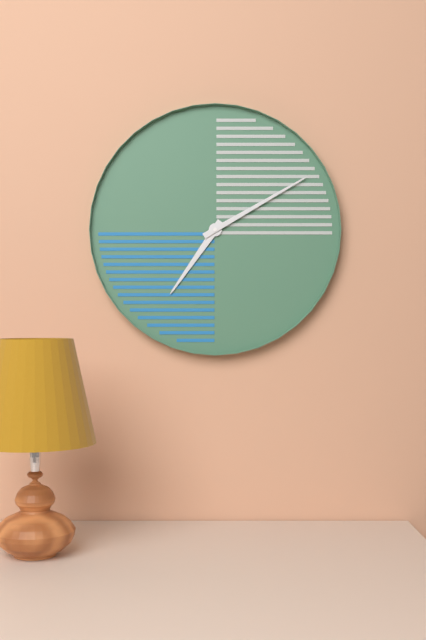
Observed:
7.10
